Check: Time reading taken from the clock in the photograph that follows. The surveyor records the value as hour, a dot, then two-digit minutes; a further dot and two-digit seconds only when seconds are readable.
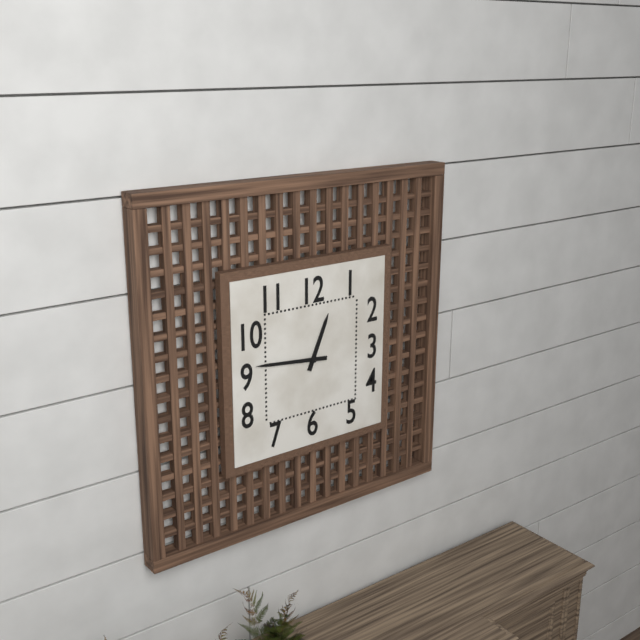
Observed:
12.46
